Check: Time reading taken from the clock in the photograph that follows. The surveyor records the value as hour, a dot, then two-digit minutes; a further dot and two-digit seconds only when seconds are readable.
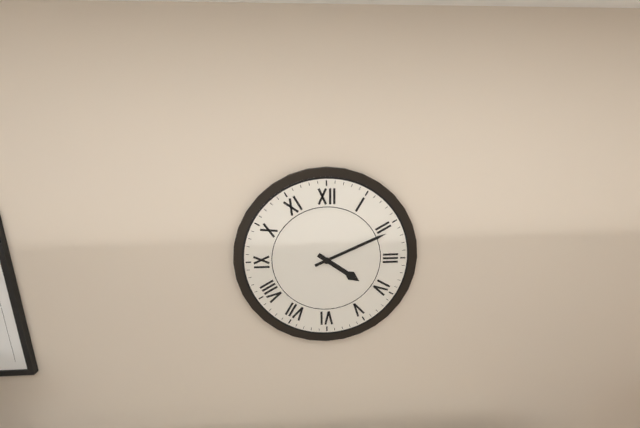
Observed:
4.11
